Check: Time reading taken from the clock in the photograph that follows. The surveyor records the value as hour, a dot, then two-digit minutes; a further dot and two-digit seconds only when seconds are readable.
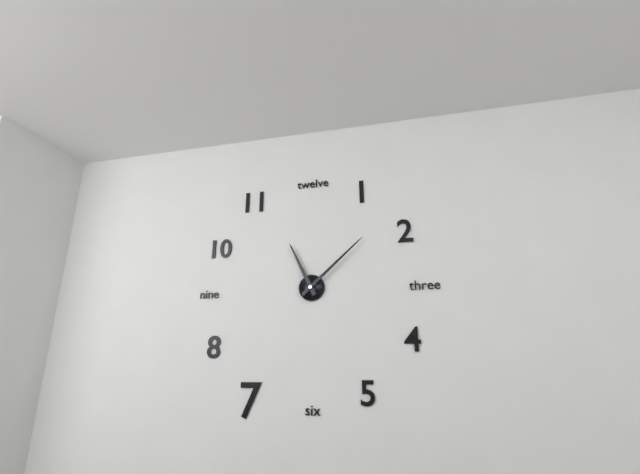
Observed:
11.08
